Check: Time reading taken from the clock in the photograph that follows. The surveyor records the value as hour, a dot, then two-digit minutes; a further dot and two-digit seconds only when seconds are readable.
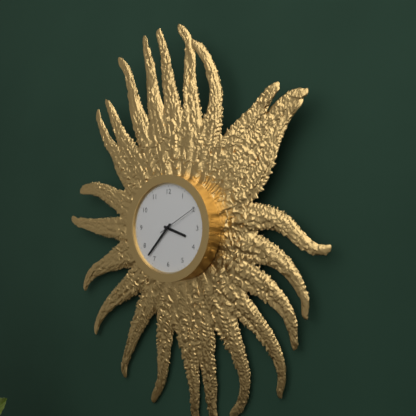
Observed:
3.37
